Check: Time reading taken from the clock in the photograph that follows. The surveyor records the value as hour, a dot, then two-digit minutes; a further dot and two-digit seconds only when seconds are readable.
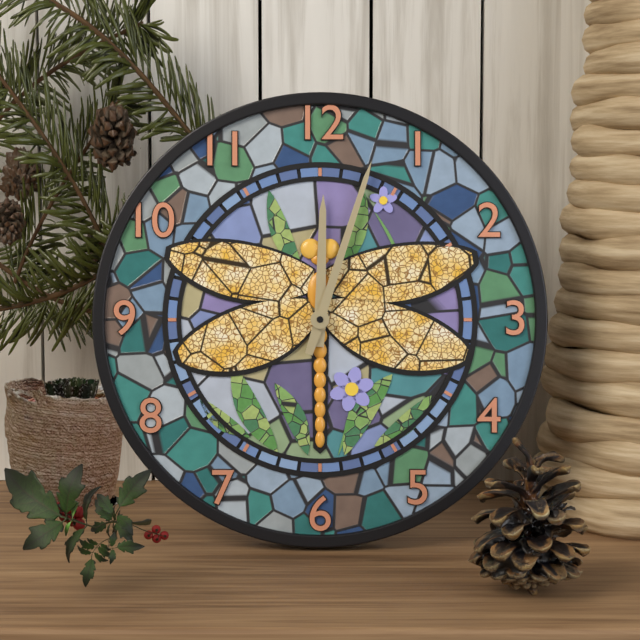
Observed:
12.03
